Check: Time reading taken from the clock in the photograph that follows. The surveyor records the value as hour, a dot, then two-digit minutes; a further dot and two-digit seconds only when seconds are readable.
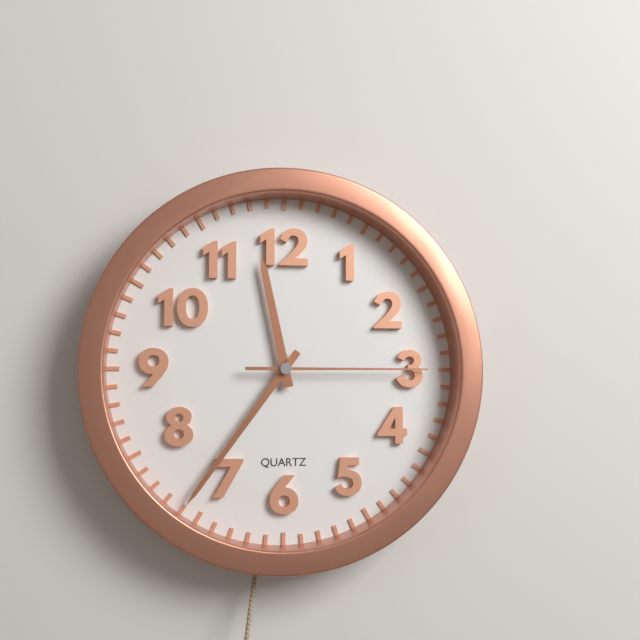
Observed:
11.36.15
